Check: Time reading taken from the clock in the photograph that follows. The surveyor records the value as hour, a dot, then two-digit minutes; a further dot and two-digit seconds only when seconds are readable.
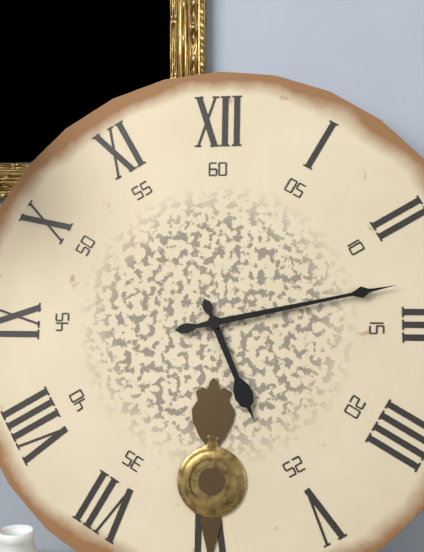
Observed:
5.13
